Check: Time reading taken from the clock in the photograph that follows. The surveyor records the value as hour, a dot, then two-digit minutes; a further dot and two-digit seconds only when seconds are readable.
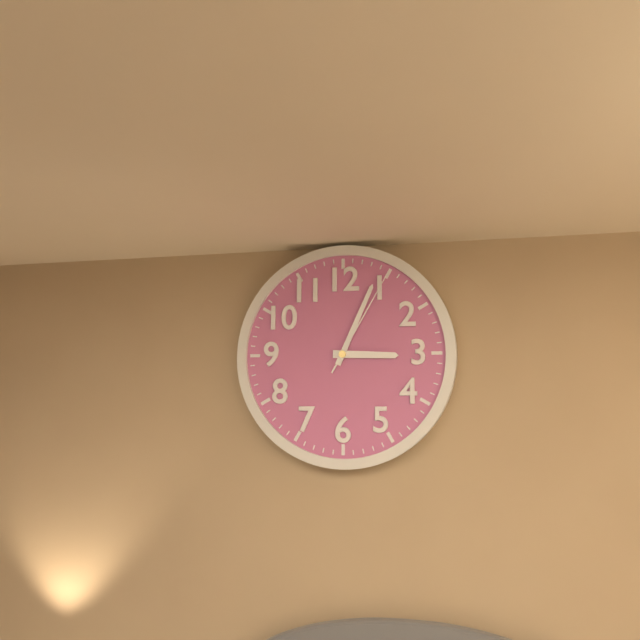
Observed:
3.04.05
